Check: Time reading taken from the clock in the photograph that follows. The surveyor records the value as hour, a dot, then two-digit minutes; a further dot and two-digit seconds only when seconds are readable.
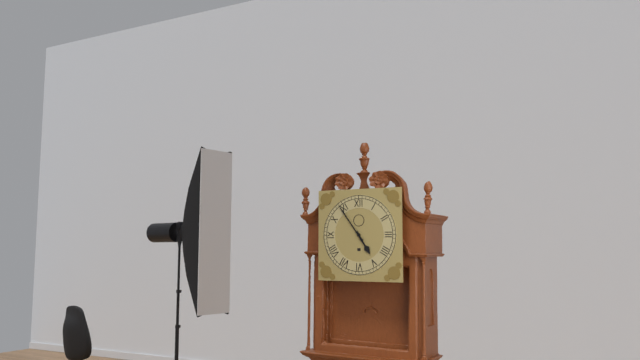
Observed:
4.54
